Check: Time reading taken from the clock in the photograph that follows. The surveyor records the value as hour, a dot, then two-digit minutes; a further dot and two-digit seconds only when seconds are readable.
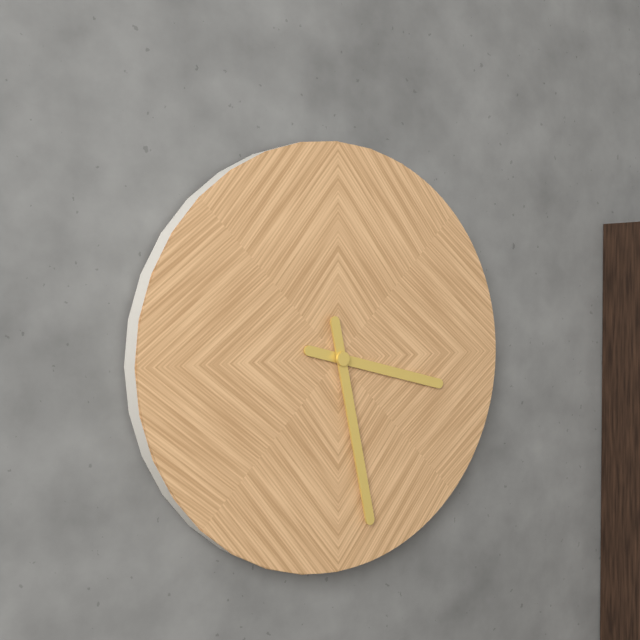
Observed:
3.28
